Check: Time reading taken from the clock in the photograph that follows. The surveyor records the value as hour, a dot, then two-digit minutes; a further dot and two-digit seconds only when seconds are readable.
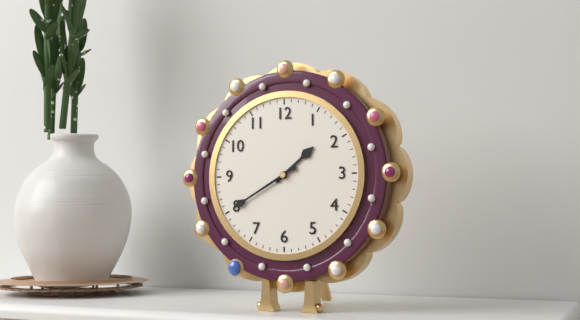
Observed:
1.40
